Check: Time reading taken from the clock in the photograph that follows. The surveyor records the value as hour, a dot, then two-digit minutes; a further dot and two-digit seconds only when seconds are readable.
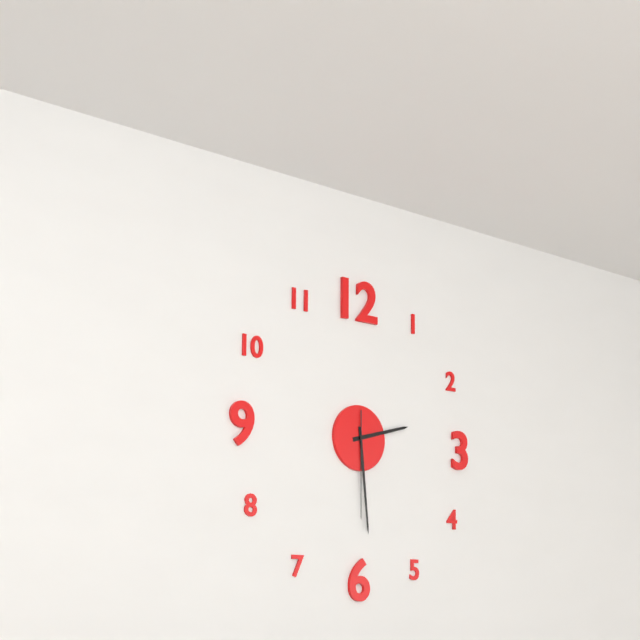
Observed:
2.29.30
